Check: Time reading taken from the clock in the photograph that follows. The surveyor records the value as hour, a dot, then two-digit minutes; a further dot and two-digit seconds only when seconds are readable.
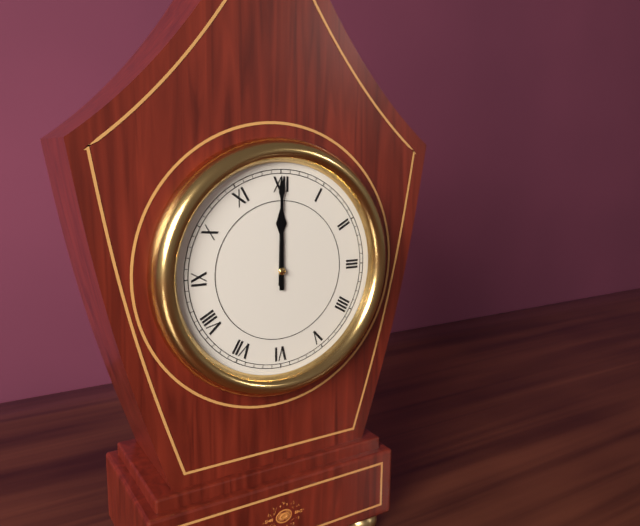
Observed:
12.00
